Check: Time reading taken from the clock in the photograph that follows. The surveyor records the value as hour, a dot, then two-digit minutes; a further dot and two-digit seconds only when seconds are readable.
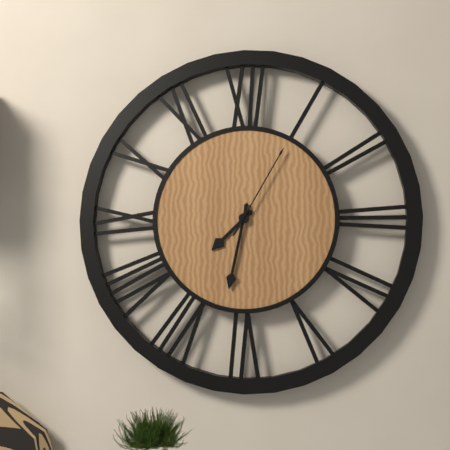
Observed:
7.32.05
